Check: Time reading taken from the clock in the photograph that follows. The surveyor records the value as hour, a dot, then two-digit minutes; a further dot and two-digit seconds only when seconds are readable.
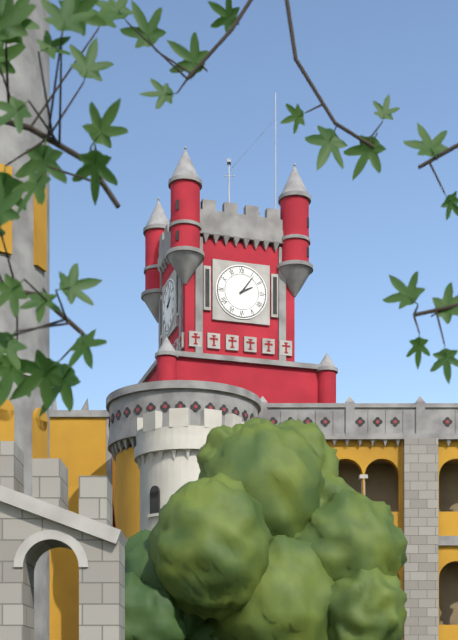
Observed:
2.06
